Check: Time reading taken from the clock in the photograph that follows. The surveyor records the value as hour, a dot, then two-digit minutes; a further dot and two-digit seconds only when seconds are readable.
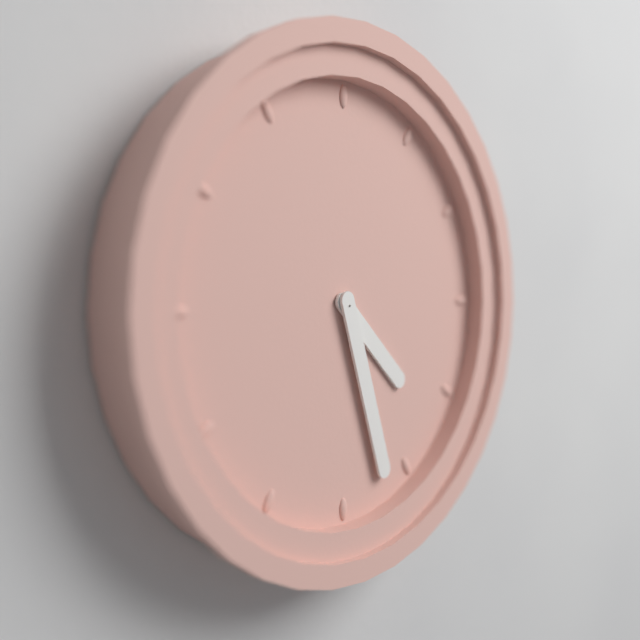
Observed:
4.27
